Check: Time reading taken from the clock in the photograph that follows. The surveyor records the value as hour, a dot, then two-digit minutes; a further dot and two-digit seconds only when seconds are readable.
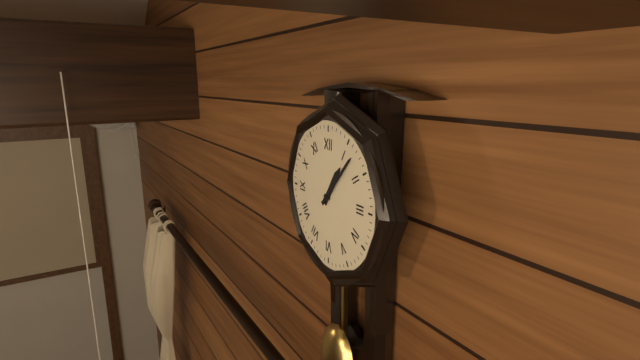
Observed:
1.07
